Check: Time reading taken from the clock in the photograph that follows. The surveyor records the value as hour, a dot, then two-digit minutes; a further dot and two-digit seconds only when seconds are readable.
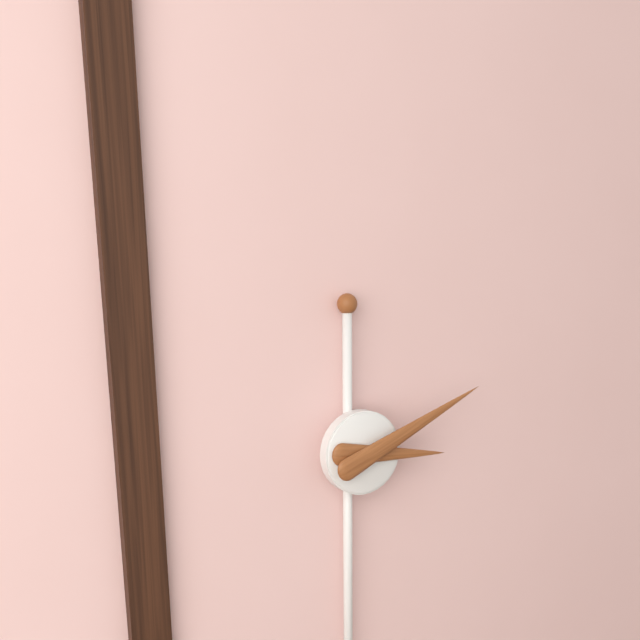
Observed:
3.11
